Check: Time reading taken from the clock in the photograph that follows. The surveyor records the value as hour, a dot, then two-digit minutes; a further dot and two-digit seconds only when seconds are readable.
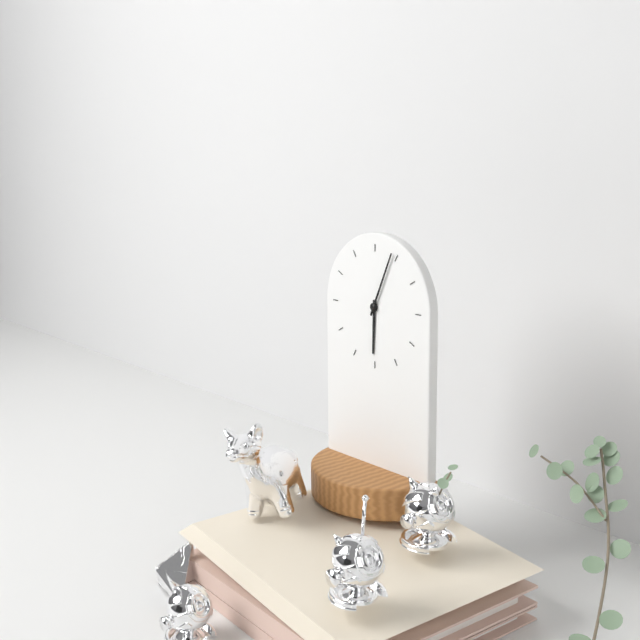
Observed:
6.04
